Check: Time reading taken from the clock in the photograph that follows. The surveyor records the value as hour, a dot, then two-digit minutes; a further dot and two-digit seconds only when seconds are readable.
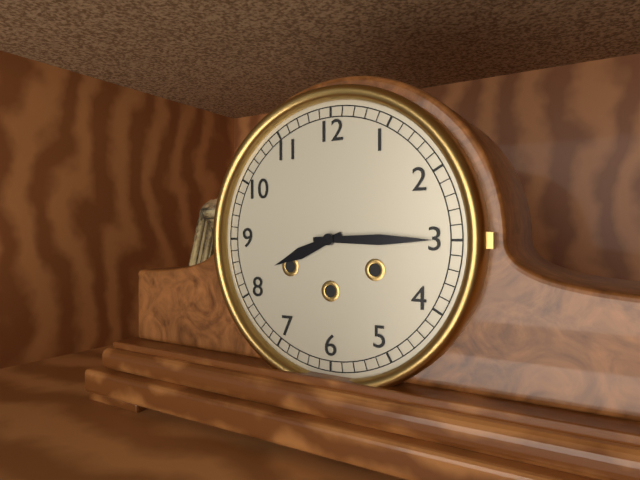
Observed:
8.15
